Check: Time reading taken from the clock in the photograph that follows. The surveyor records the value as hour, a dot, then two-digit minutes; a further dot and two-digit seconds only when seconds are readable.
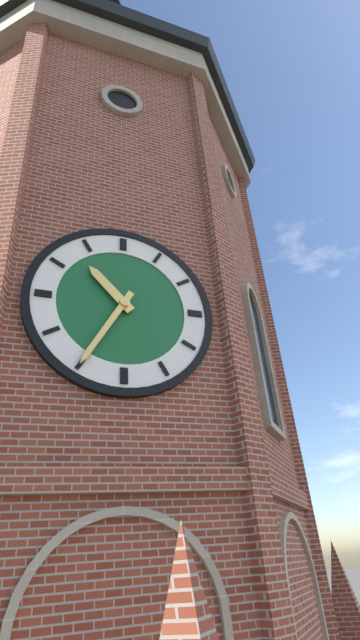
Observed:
10.35
